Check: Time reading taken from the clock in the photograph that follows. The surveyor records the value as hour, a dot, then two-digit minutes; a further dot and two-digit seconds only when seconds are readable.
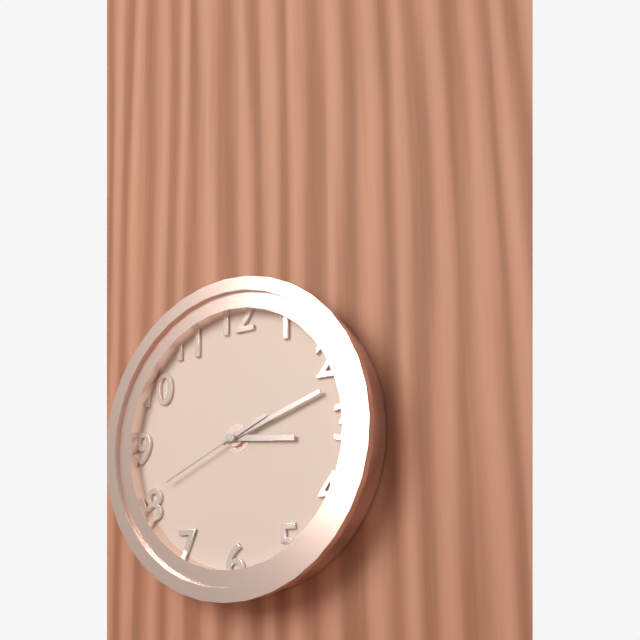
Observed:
3.12.41
